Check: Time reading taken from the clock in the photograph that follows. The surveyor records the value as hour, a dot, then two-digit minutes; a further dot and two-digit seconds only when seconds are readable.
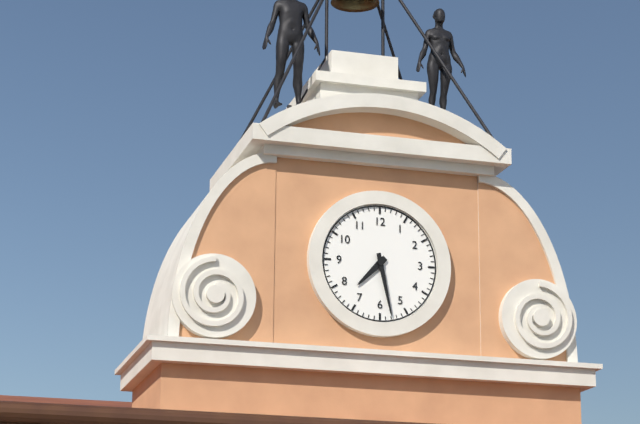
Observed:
7.28
